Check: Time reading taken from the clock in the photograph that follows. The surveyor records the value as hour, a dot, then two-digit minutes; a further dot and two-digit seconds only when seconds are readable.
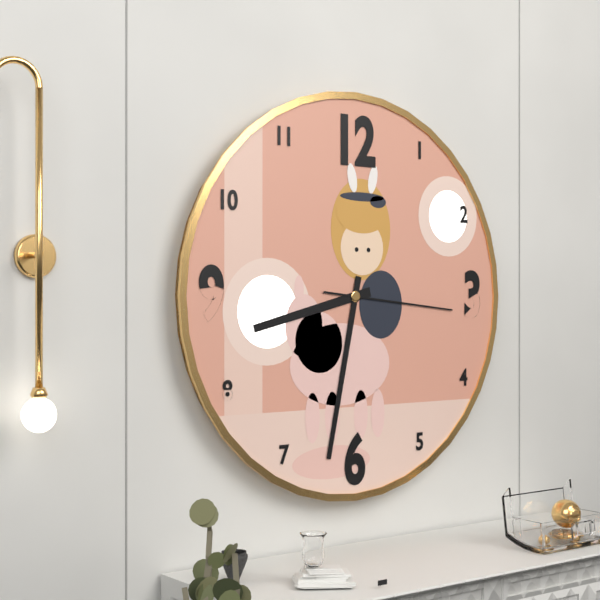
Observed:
8.32.16
